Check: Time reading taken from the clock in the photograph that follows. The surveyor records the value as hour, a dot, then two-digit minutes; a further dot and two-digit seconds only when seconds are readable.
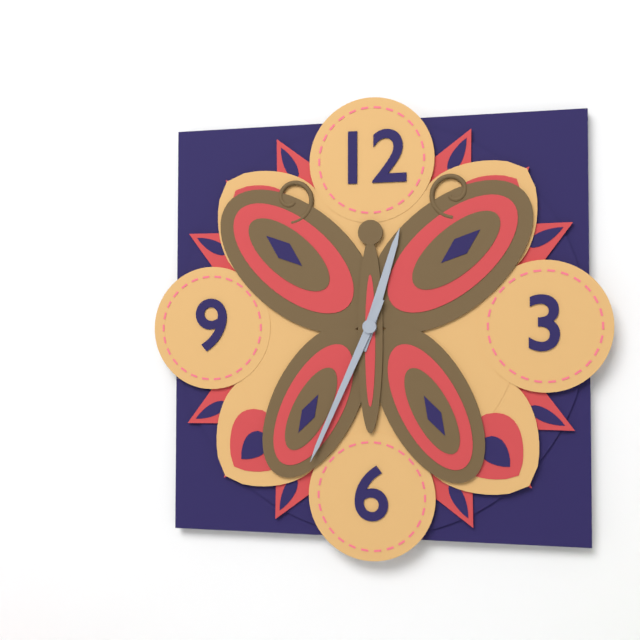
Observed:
12.34
